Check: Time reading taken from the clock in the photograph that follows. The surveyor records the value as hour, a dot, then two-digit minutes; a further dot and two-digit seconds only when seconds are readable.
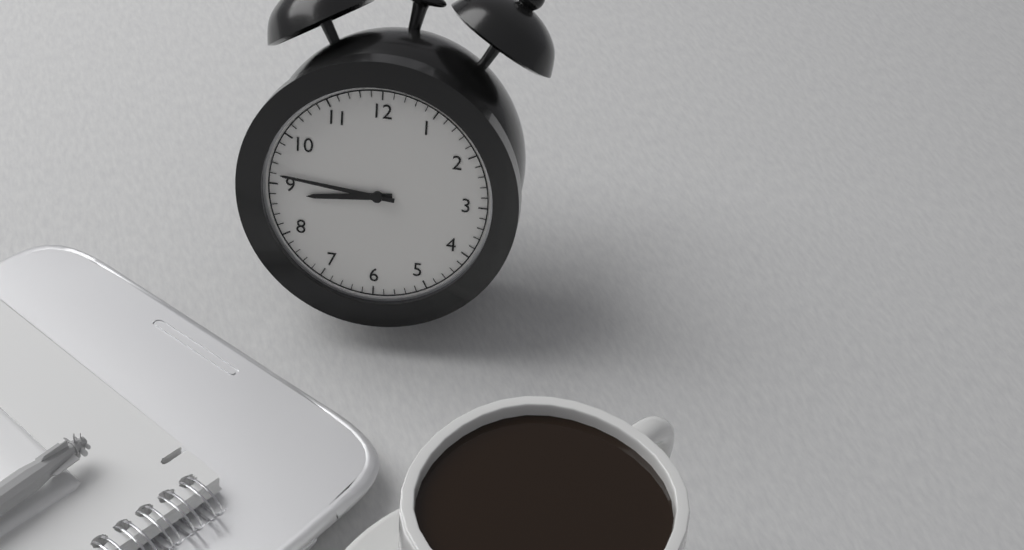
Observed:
8.46
